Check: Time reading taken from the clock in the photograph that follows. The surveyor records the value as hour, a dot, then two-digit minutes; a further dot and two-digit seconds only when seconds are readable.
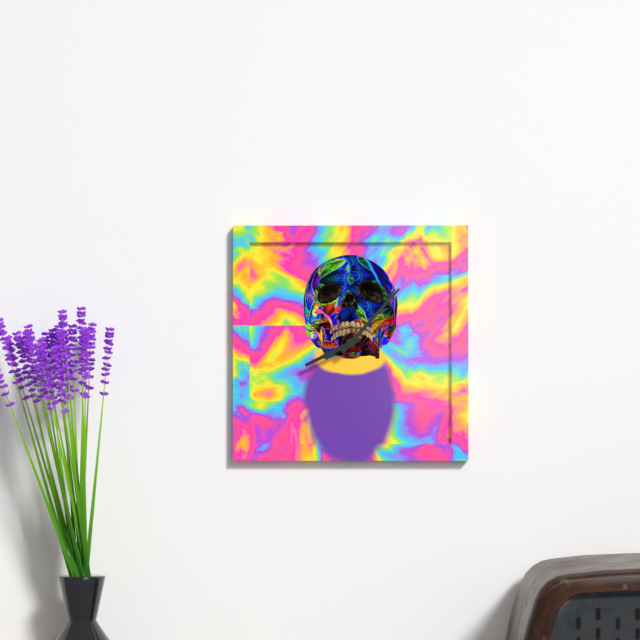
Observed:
8.07
